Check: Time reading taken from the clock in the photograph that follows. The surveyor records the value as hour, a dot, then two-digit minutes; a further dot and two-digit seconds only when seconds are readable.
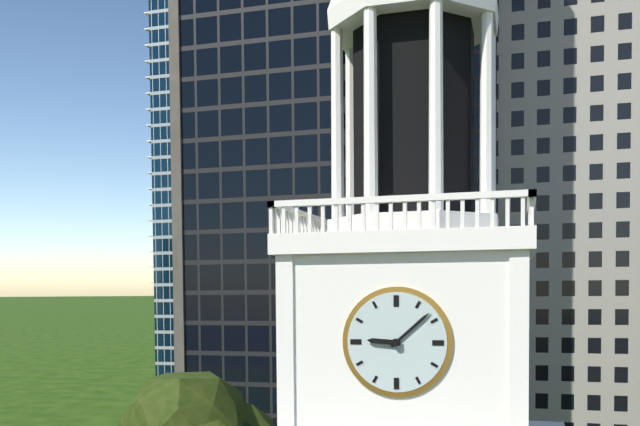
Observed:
9.08
